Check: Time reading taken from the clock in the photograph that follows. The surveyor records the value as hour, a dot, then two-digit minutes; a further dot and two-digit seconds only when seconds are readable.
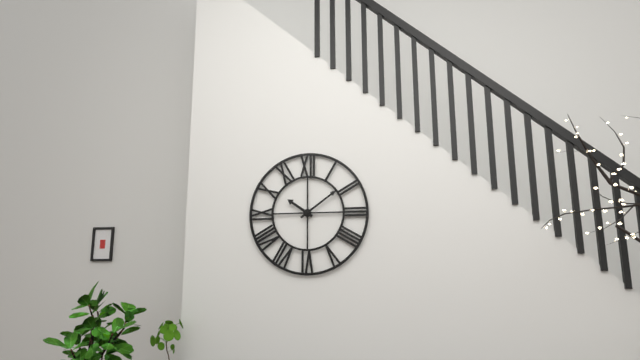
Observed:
10.09
